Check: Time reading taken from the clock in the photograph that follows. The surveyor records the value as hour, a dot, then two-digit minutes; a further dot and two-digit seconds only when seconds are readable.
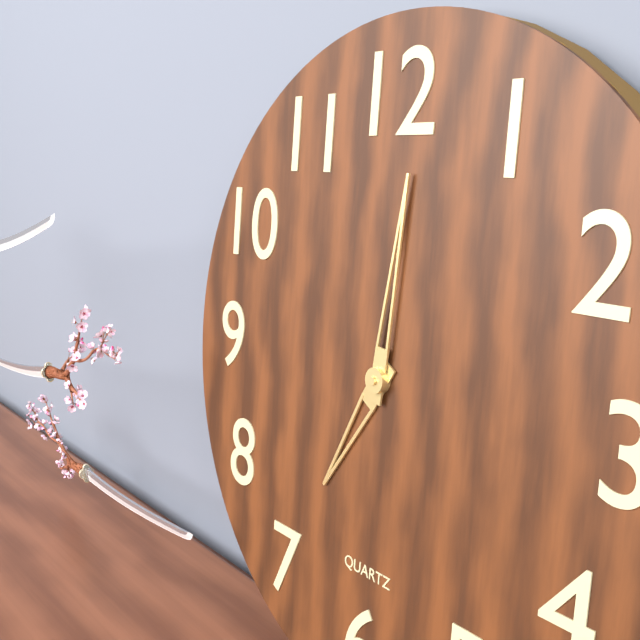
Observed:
7.01
